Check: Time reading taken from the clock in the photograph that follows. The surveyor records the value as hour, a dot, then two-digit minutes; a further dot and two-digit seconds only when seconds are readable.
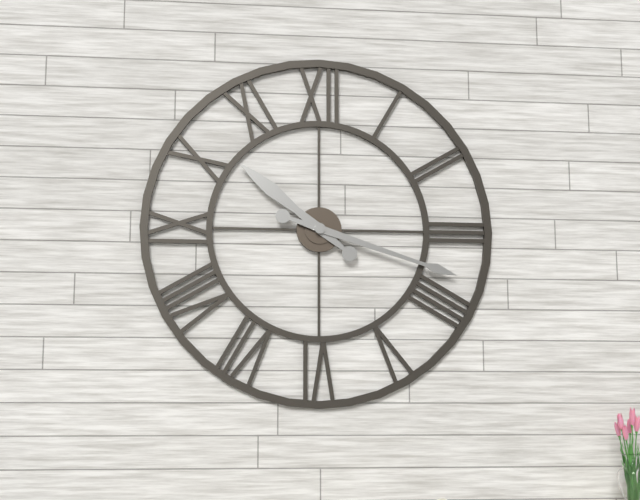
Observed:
10.18
